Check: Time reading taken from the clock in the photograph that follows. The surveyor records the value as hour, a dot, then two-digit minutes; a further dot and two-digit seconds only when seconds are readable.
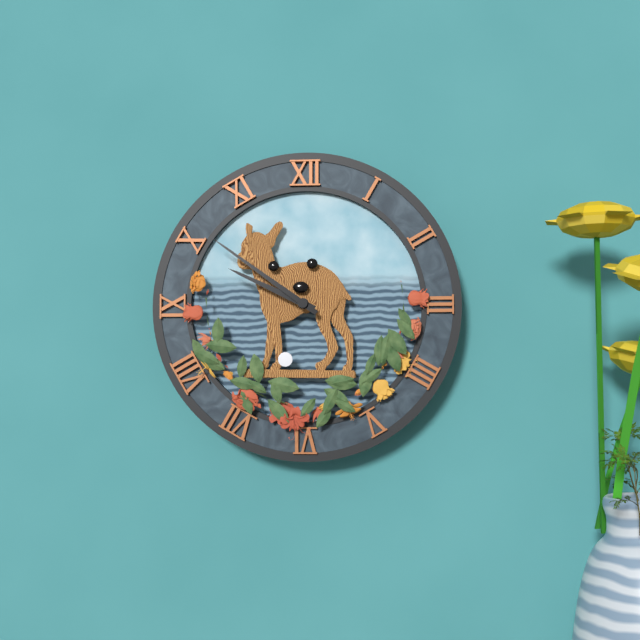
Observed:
9.51
